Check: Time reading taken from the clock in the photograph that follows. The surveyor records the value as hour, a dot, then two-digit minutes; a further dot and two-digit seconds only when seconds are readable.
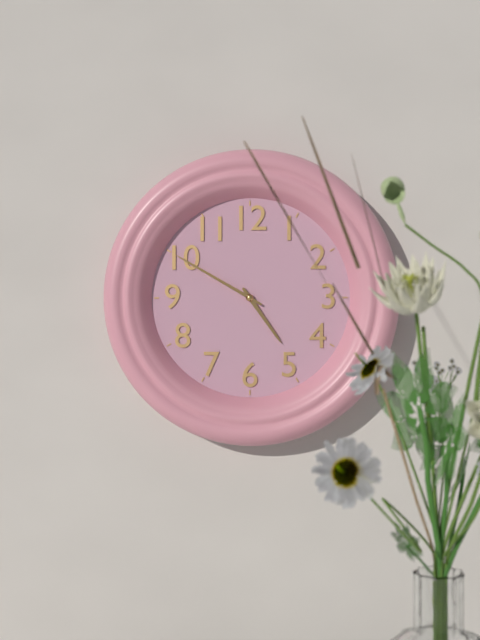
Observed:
4.50
